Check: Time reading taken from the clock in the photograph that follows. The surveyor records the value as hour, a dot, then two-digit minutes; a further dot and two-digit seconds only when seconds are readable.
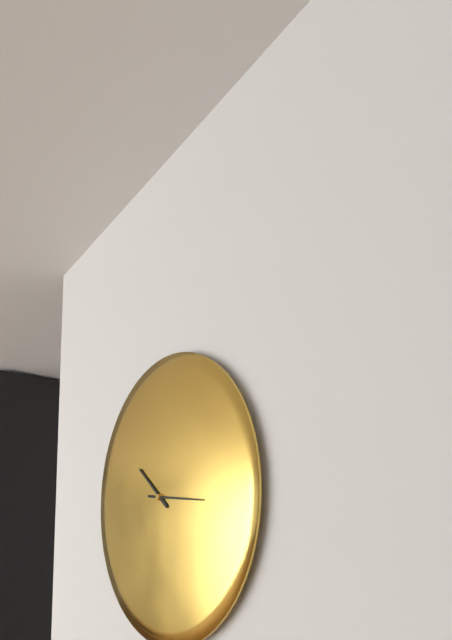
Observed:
10.16
